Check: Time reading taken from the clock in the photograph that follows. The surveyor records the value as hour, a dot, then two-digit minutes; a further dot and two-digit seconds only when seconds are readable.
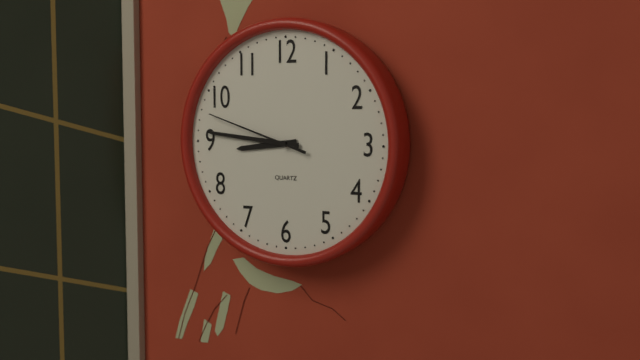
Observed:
8.46.48
